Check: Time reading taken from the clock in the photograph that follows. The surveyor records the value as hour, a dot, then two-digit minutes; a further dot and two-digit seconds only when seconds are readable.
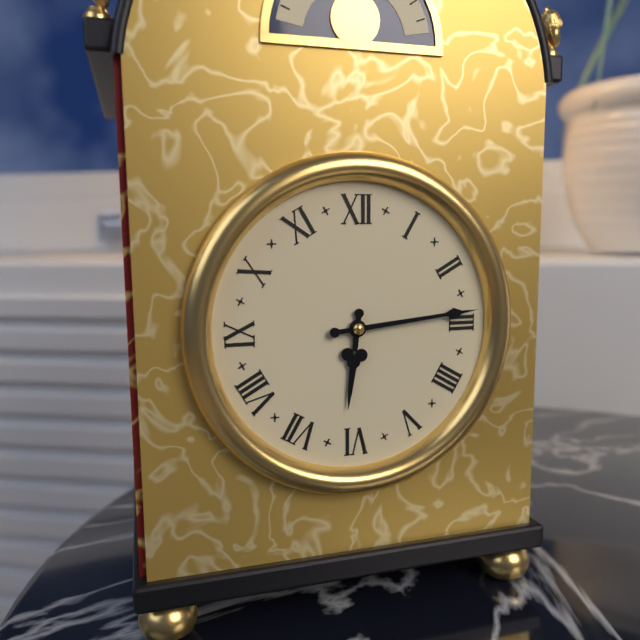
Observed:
6.14
